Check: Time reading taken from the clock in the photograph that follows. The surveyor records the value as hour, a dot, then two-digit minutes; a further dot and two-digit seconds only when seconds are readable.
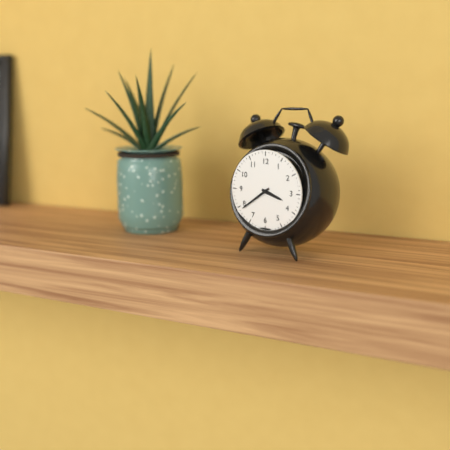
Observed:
3.39
